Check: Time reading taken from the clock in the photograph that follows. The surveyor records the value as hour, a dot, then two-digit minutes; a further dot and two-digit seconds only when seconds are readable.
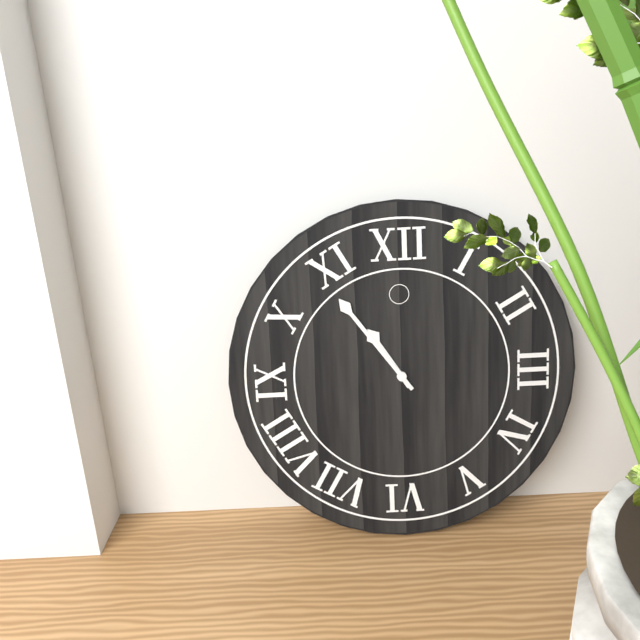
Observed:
10.54
